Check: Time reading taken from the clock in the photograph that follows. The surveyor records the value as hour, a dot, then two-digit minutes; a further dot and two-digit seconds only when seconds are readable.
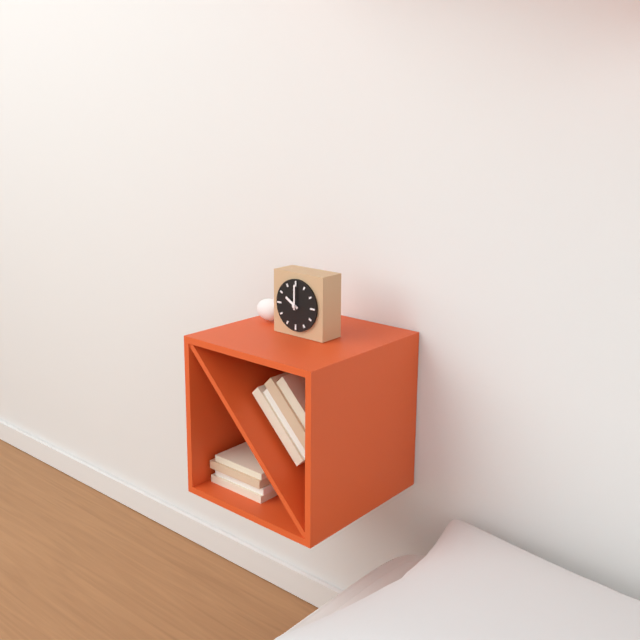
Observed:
10.00
